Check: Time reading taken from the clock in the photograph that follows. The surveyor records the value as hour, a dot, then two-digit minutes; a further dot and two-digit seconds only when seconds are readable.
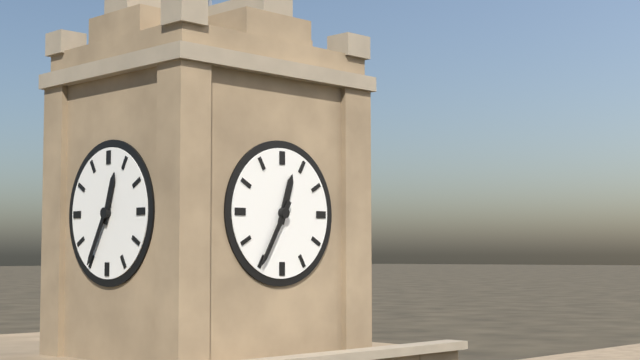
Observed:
12.35
